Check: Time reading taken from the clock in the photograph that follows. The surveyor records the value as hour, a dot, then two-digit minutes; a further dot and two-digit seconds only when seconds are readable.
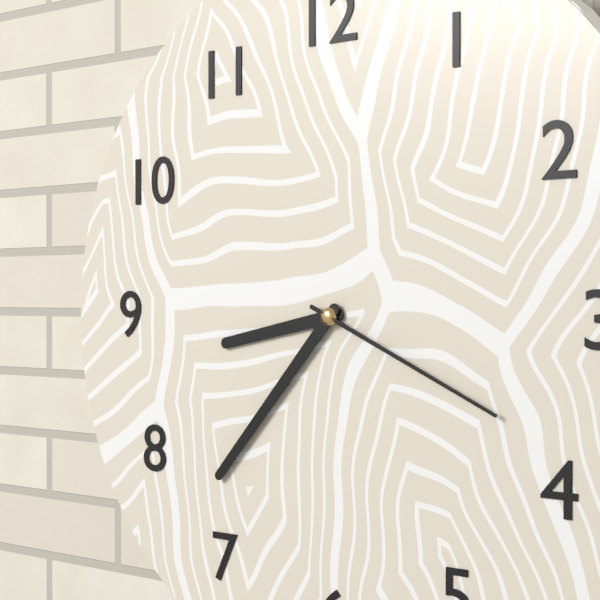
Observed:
8.37.19
